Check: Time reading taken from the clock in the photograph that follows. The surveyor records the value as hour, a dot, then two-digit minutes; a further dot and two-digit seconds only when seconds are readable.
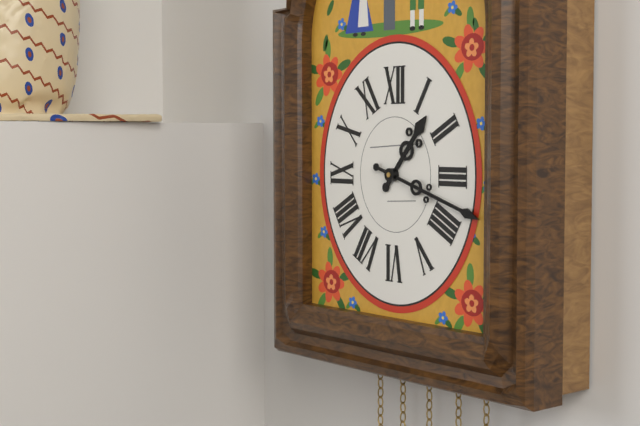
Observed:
1.18
